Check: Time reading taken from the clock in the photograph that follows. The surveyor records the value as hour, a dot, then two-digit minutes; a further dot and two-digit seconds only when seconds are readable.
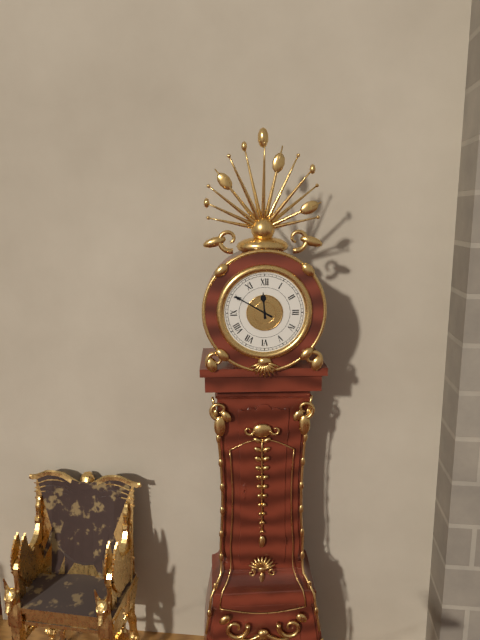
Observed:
11.50
